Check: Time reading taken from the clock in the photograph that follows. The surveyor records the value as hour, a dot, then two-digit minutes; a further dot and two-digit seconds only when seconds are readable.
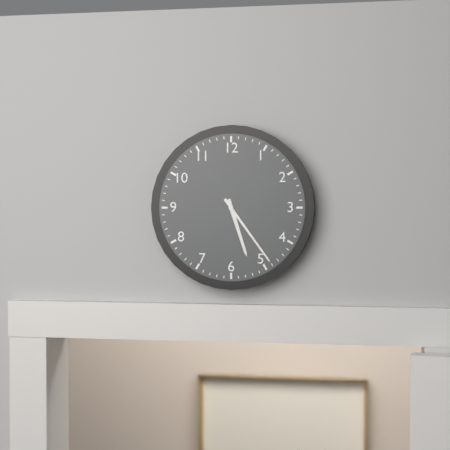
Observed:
5.24
